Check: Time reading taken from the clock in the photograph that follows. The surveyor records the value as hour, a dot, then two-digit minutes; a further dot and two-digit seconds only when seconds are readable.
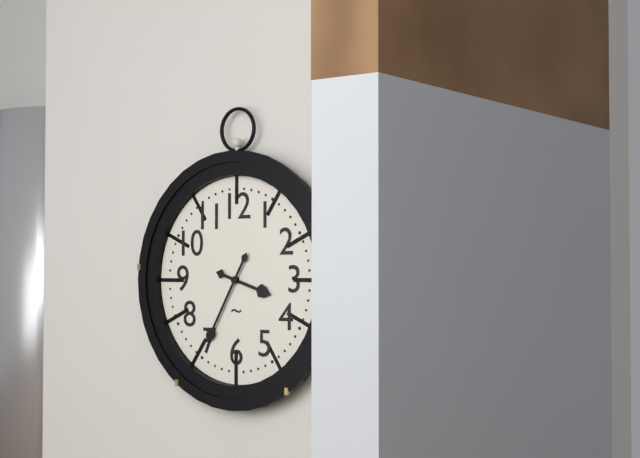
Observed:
3.35
